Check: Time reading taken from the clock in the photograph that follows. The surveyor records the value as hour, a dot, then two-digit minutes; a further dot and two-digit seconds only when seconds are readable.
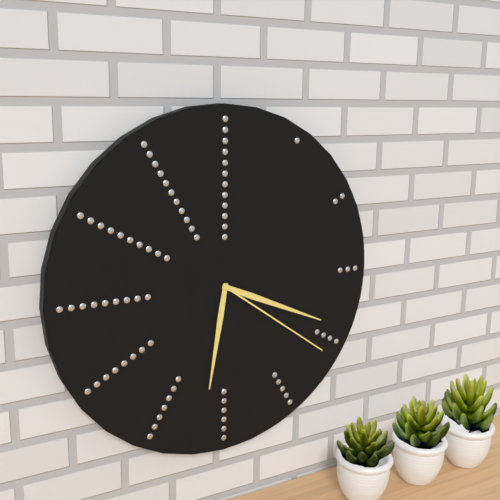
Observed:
6.19.21
